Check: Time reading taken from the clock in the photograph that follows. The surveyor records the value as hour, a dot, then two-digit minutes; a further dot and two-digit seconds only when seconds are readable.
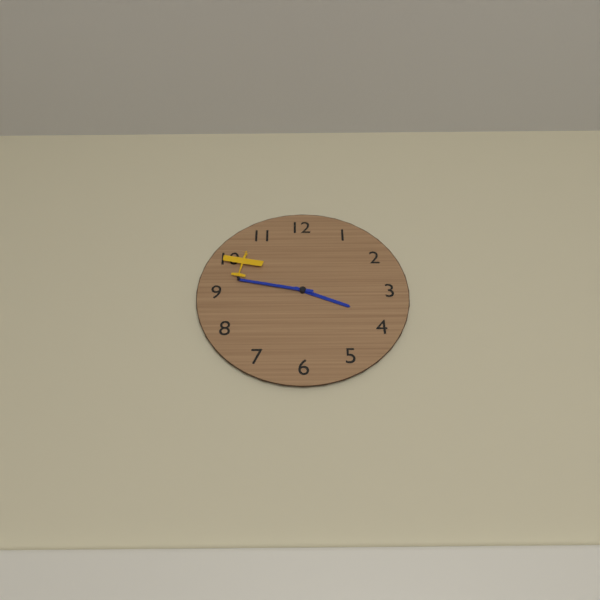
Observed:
3.47
